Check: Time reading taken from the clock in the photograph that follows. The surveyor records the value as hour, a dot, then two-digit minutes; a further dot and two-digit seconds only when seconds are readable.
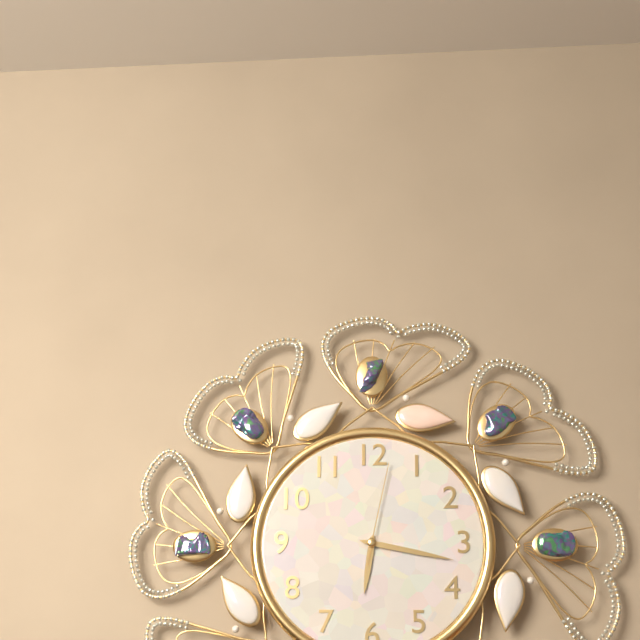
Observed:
6.17.02
